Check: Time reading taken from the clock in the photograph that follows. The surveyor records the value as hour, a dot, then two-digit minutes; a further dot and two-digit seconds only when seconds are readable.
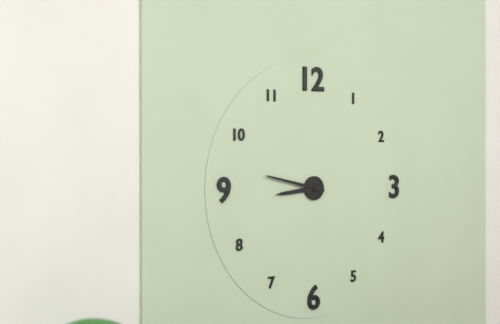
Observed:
8.47
